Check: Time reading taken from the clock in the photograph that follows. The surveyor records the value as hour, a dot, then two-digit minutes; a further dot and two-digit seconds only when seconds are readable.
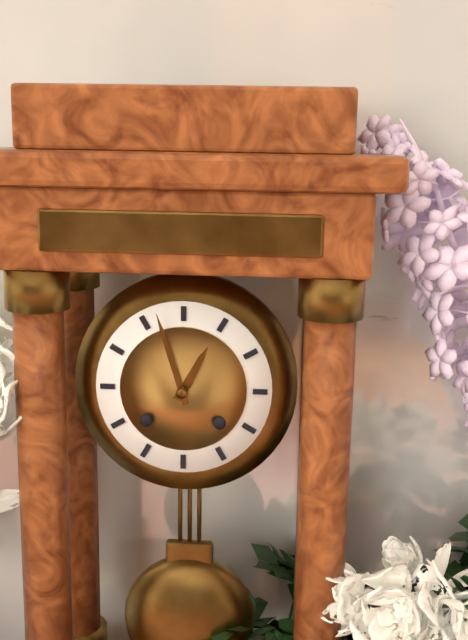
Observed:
12.57
